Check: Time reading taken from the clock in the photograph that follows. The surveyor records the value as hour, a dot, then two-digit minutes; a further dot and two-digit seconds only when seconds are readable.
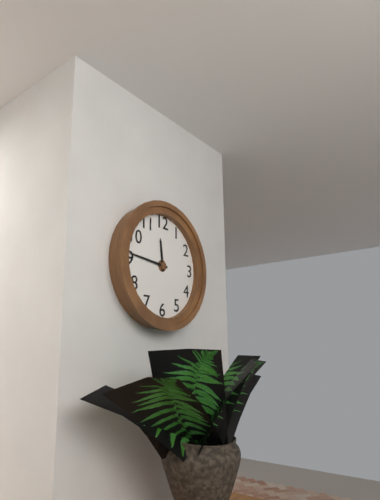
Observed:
11.46
